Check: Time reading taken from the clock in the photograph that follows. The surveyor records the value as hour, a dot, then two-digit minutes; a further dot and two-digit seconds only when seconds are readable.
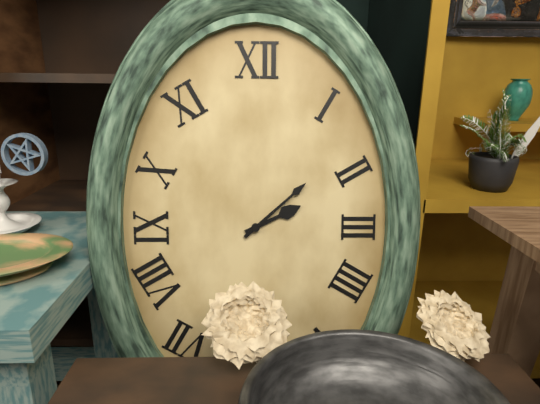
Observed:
2.08
